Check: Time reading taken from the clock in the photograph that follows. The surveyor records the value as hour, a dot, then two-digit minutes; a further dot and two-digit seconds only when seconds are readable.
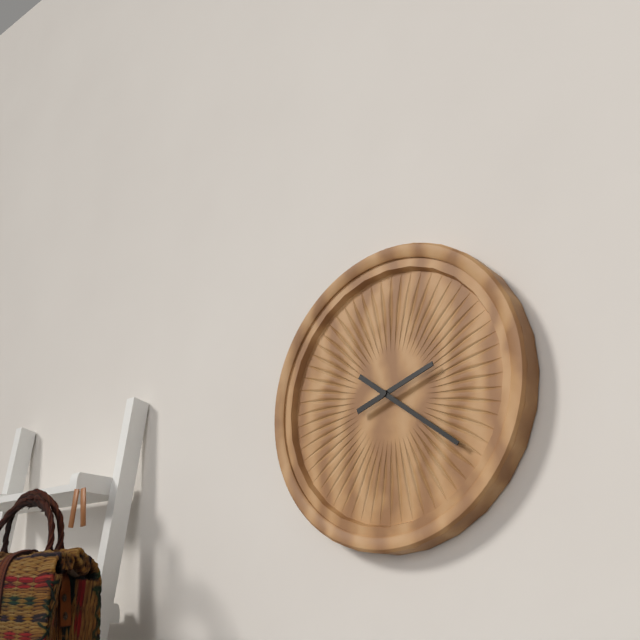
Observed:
2.21
